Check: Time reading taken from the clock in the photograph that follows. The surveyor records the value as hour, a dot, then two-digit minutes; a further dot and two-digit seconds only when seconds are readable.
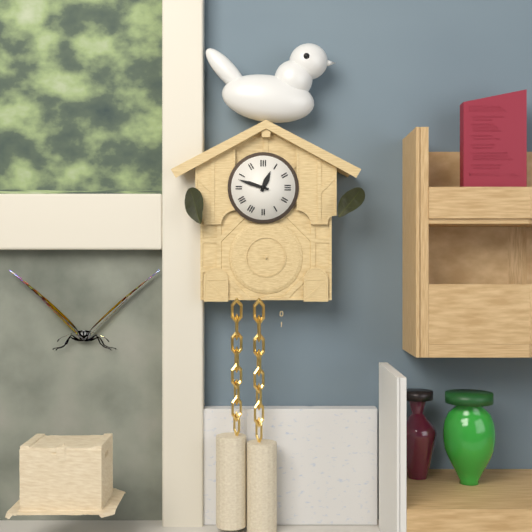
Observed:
12.48
